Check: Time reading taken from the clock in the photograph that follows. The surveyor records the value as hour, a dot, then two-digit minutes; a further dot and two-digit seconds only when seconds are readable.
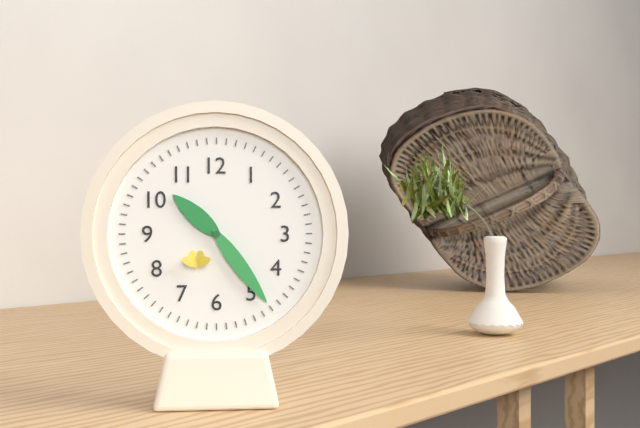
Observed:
10.24
